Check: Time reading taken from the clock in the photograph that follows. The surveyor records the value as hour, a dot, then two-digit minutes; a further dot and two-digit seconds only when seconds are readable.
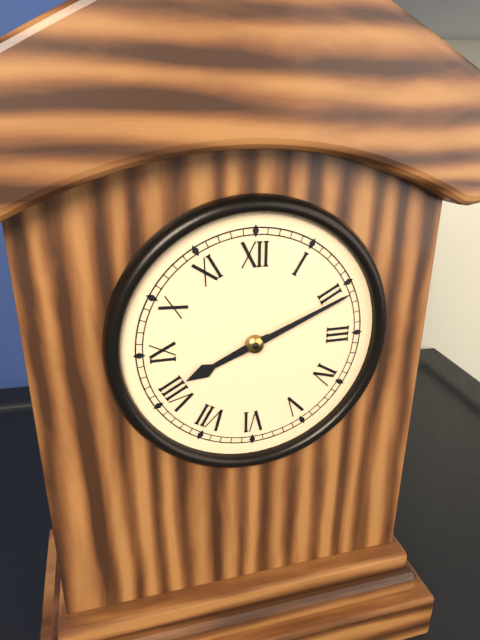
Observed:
8.11
